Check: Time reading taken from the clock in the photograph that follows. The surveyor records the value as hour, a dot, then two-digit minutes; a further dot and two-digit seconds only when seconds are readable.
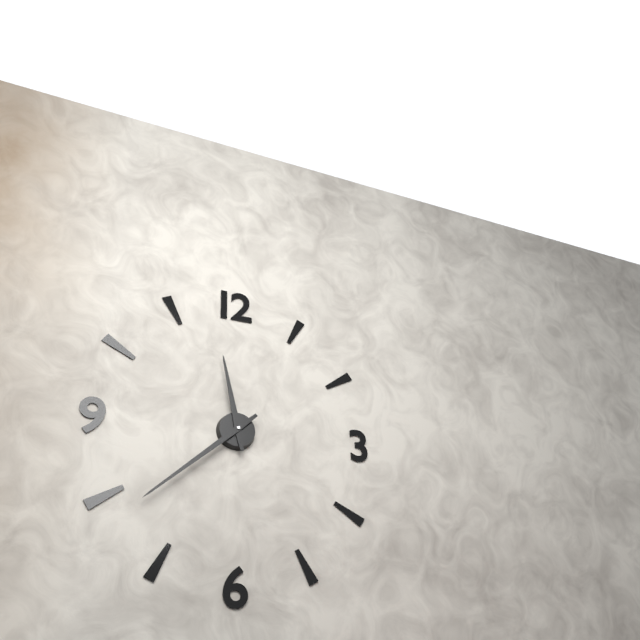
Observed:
11.38
